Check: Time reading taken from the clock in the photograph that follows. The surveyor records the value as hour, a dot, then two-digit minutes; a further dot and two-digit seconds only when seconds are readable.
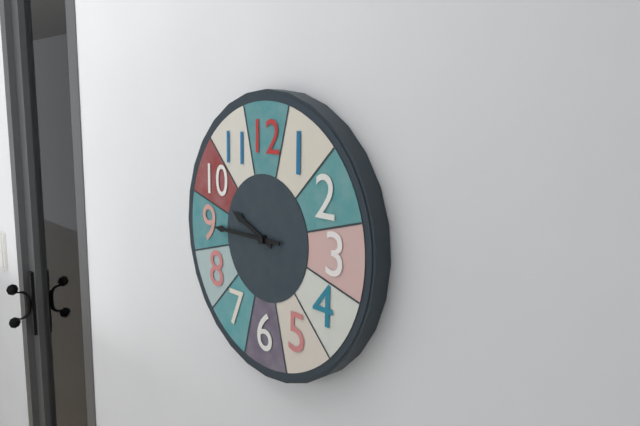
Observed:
9.45
